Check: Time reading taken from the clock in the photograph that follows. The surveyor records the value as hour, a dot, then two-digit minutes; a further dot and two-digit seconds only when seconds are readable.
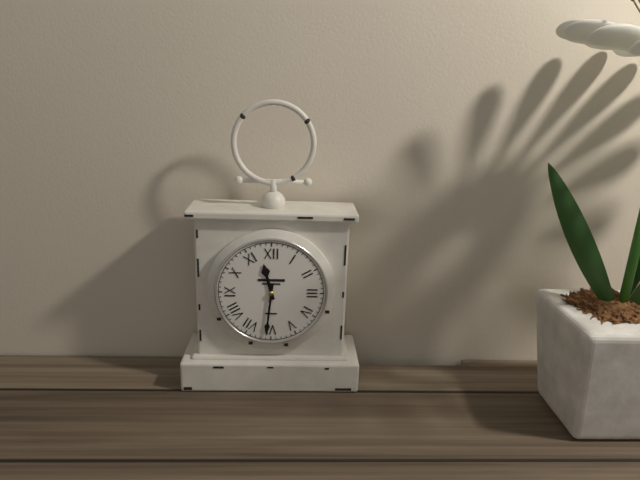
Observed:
11.31
